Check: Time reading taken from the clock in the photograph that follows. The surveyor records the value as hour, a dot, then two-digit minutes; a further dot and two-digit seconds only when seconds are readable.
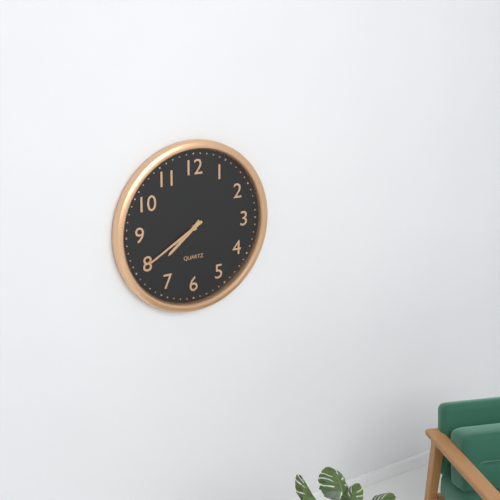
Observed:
7.40
